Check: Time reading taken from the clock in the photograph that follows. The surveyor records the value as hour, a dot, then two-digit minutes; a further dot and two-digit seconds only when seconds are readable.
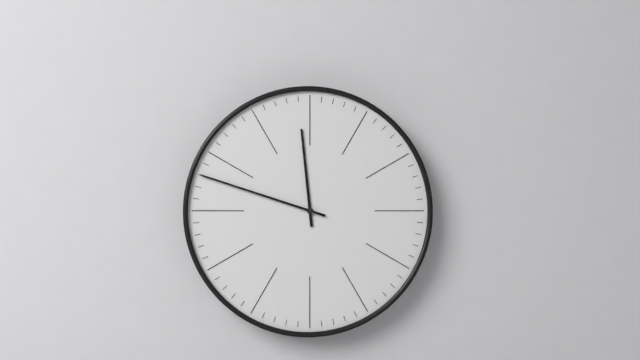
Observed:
11.48
